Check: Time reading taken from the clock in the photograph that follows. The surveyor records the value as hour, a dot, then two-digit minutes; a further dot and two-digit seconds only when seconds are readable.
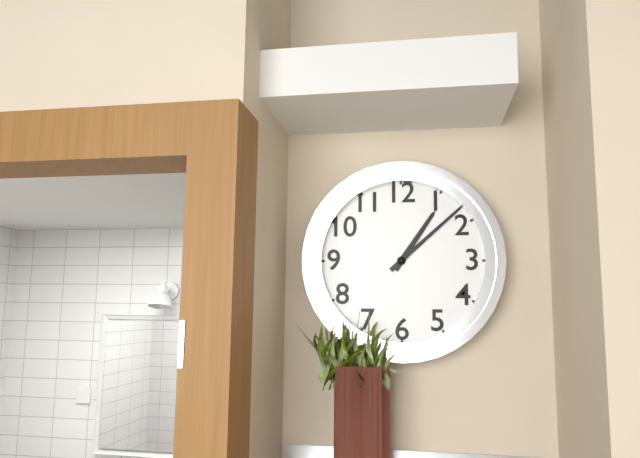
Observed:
1.08
